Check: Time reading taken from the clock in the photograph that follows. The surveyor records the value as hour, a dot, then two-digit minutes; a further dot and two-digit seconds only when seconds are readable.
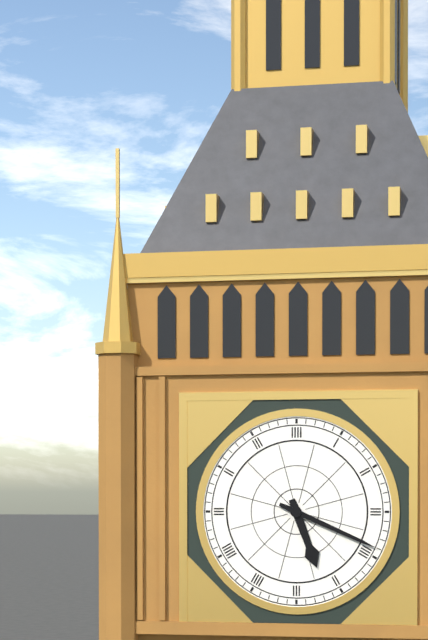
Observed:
5.19
